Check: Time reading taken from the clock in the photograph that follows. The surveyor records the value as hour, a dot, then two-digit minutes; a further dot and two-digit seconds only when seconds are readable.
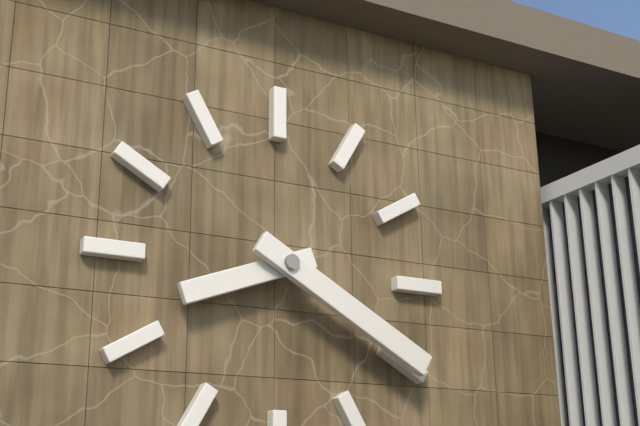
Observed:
8.20
